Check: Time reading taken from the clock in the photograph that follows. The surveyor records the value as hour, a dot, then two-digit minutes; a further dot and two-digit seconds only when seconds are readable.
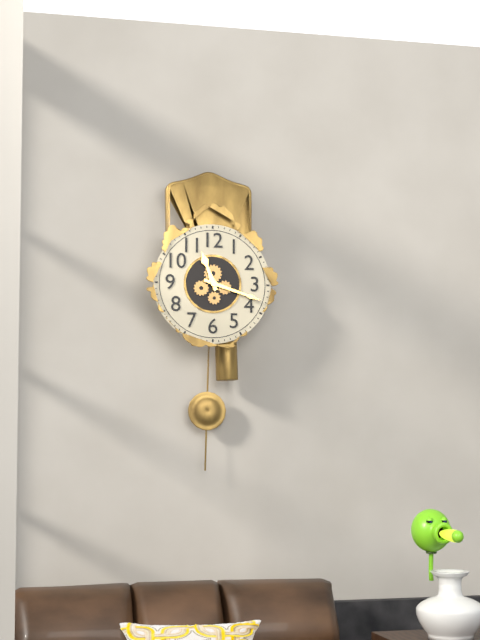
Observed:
11.18
